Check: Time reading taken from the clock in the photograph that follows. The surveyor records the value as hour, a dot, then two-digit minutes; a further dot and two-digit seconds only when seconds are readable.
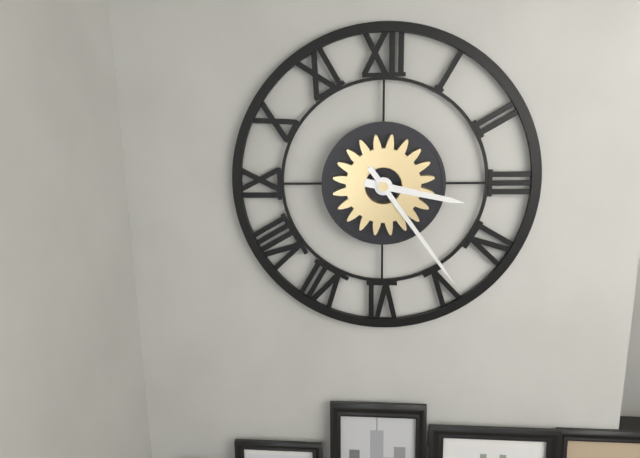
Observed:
3.24
